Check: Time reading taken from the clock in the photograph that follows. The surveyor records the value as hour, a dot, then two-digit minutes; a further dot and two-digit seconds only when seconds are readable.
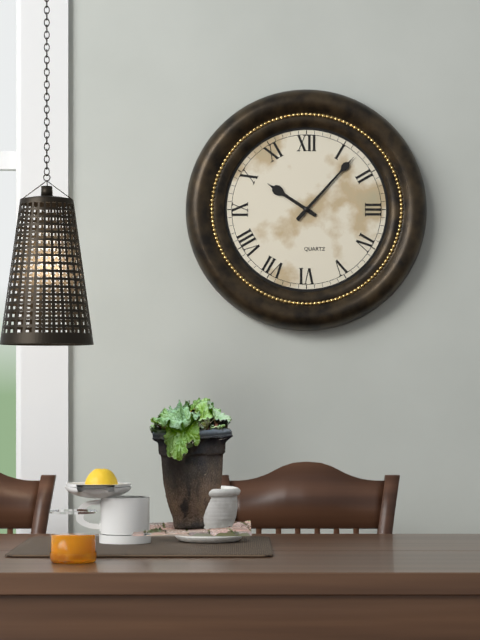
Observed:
10.07
